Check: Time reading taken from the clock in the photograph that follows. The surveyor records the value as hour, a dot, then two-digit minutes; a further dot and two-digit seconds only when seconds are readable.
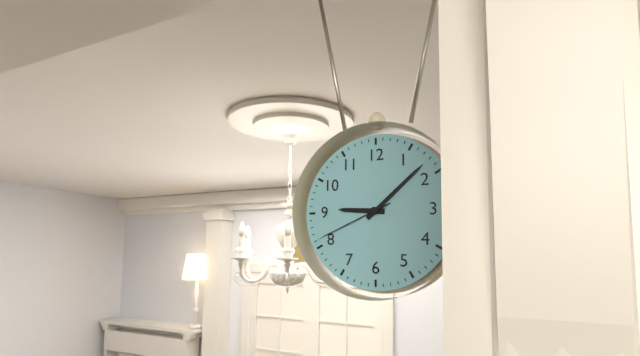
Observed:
9.08.41
